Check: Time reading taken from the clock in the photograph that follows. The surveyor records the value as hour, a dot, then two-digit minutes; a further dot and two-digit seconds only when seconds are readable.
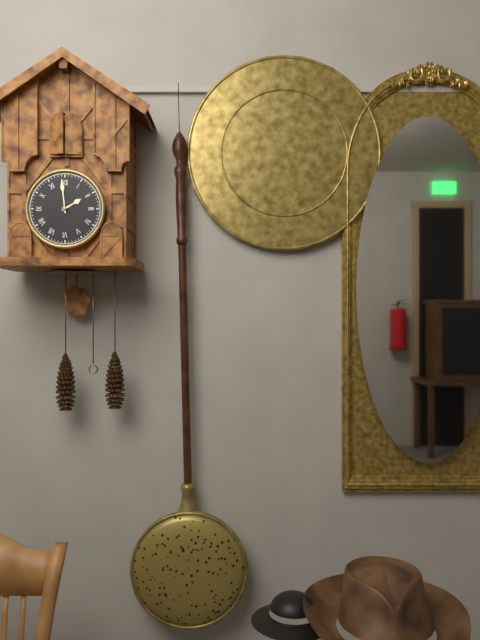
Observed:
1.59
